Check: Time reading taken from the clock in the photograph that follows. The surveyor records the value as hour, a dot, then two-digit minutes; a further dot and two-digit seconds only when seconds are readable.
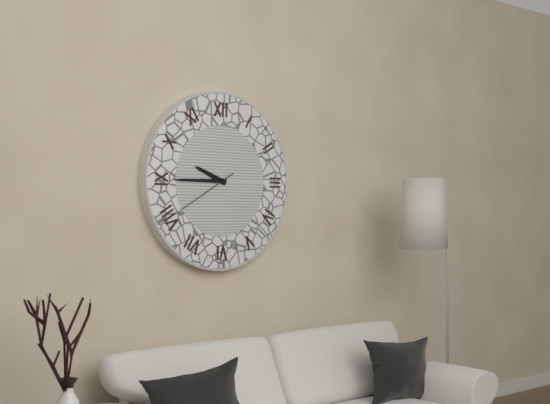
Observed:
9.45.40
